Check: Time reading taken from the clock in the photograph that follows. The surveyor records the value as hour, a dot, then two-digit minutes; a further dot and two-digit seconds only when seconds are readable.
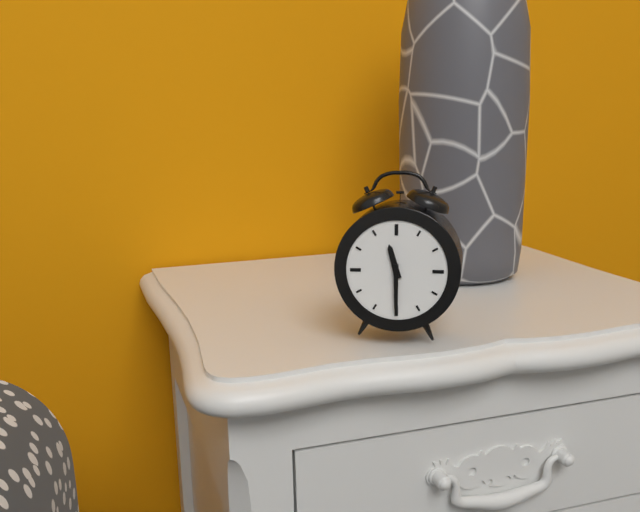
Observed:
11.30
